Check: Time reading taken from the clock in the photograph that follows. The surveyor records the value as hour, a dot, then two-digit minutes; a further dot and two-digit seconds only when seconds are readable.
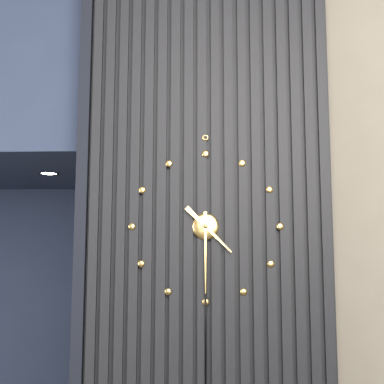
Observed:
4.30
